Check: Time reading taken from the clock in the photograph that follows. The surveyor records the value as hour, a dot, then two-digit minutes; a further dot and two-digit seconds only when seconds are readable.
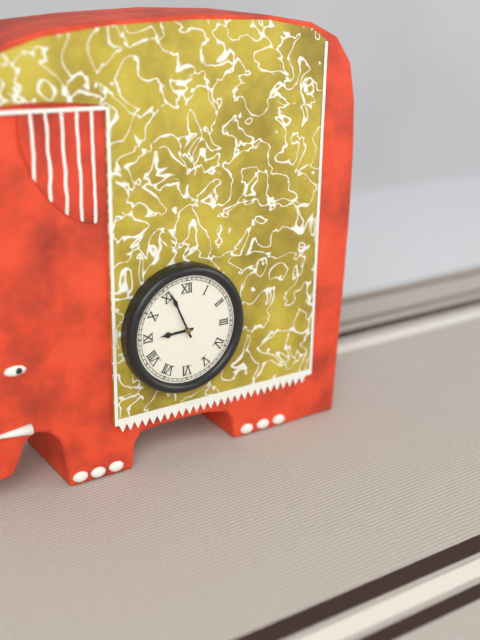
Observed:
8.56
